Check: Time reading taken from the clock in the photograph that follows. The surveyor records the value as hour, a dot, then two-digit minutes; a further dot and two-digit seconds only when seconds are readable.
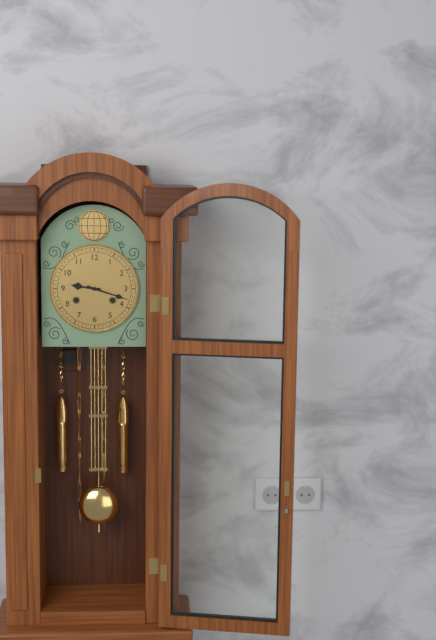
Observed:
9.18
